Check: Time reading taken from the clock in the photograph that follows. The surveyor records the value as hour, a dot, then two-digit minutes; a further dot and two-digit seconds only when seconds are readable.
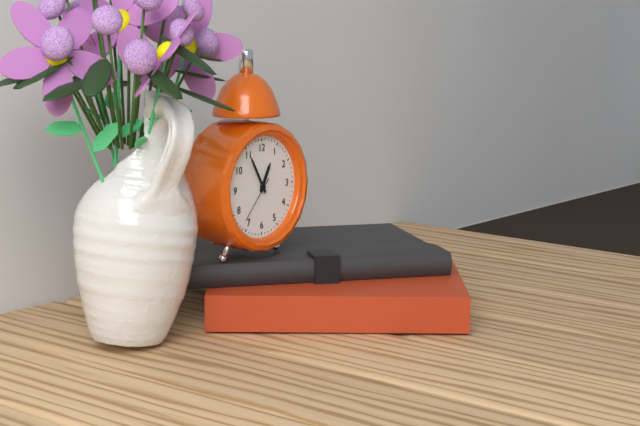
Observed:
12.55
